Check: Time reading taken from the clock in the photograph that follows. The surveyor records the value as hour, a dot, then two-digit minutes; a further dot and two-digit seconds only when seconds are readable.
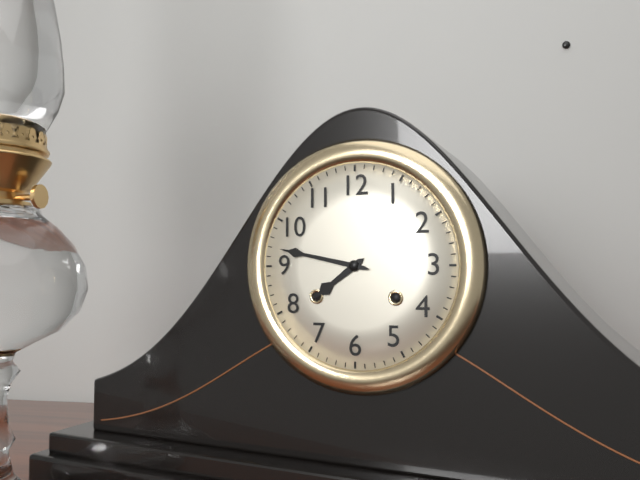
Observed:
7.47
